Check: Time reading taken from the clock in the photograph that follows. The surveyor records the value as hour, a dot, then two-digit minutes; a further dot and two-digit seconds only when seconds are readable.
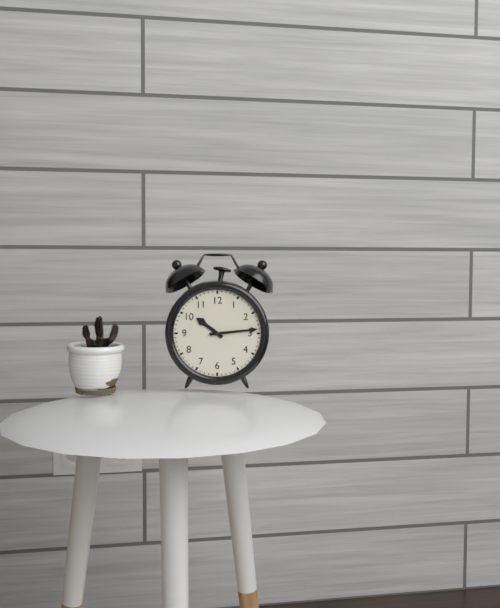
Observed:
10.14
